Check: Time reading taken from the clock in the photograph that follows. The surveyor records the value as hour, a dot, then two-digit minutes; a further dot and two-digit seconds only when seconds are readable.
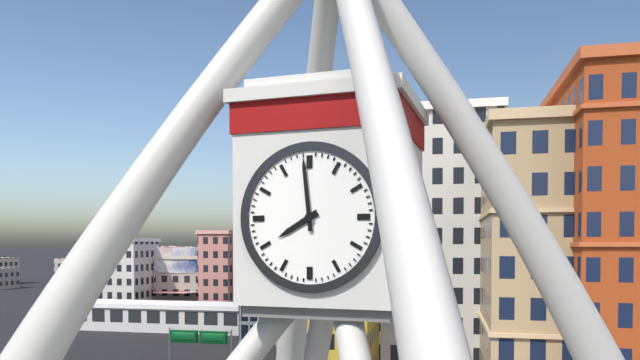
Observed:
7.59
